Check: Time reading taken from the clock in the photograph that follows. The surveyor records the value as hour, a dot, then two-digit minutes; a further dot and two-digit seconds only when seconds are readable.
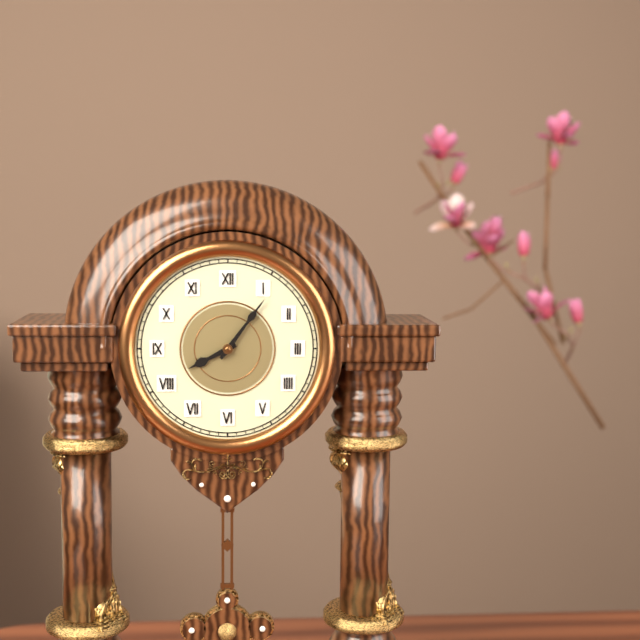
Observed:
8.06
